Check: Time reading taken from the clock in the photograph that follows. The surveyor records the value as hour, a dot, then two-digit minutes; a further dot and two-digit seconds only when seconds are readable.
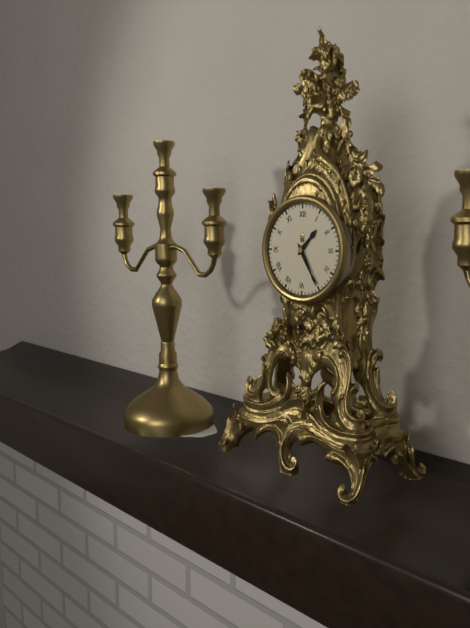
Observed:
1.25
